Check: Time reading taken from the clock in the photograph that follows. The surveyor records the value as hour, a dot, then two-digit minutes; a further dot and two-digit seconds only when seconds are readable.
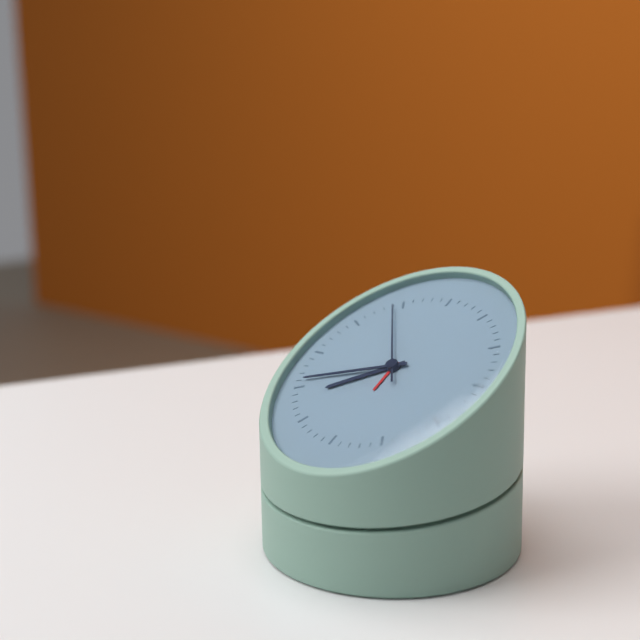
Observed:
7.41.54
